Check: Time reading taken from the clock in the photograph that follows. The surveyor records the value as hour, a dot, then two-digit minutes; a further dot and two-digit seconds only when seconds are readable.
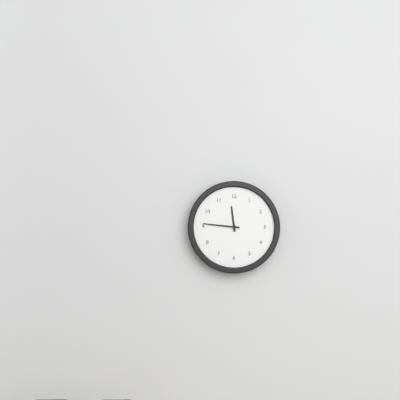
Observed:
11.46
